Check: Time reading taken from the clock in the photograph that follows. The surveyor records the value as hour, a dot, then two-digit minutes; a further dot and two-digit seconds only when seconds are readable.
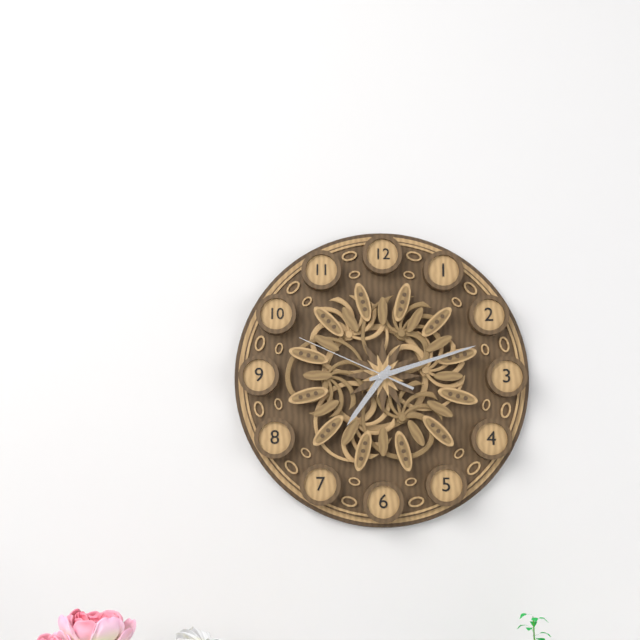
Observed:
7.12.49
